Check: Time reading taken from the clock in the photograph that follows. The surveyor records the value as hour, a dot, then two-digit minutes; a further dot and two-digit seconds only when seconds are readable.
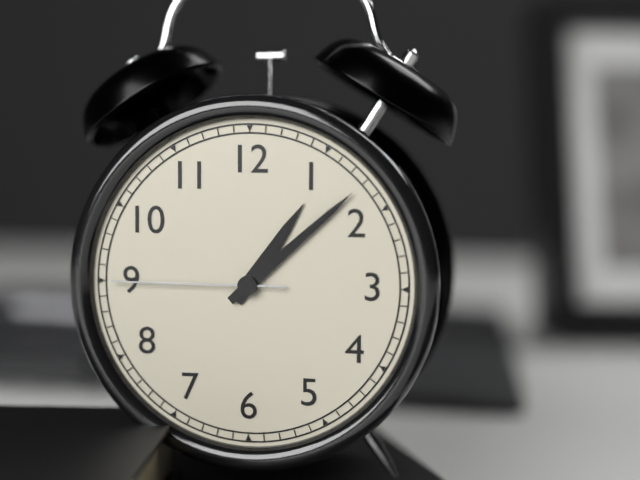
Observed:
1.08.45
